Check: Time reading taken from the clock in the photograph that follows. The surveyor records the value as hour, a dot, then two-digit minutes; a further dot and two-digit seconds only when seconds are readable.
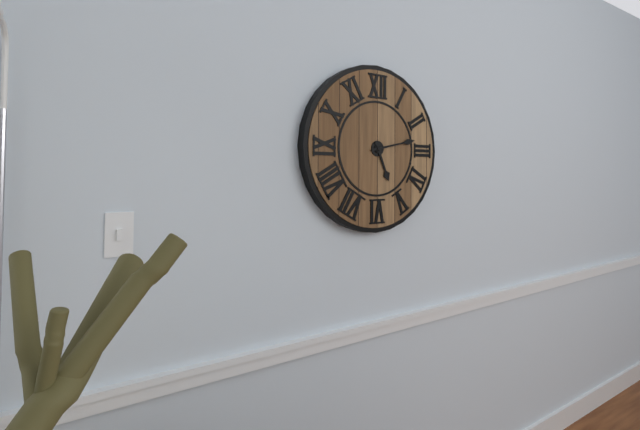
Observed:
5.13
